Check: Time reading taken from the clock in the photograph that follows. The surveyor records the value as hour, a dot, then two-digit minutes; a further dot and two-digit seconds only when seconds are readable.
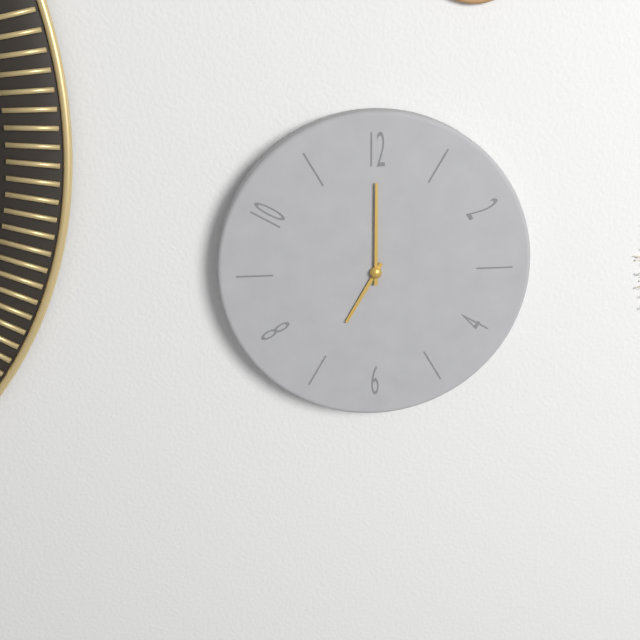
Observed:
7.00
